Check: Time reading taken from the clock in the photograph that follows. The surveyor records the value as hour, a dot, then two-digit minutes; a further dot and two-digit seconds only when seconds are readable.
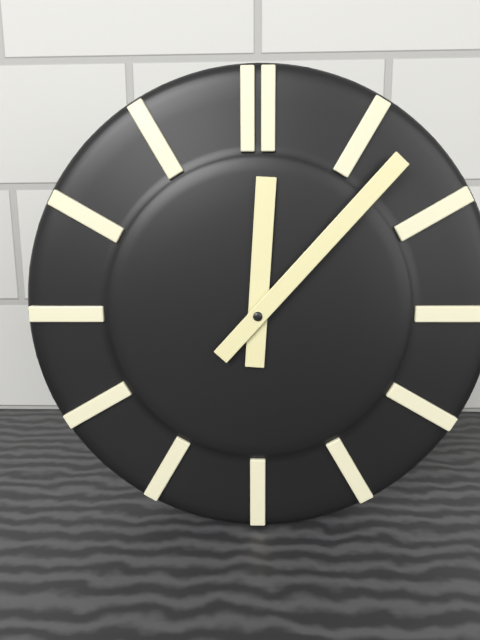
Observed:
12.07
